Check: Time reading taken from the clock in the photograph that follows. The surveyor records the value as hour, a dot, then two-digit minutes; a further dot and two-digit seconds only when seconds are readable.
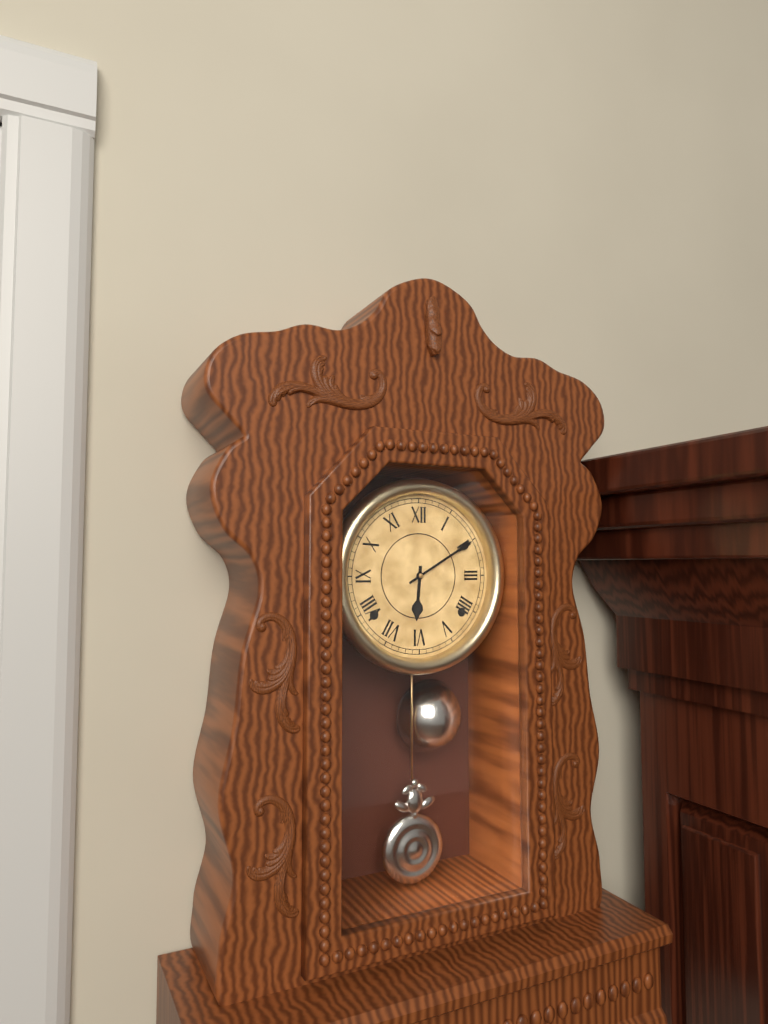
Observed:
6.10
